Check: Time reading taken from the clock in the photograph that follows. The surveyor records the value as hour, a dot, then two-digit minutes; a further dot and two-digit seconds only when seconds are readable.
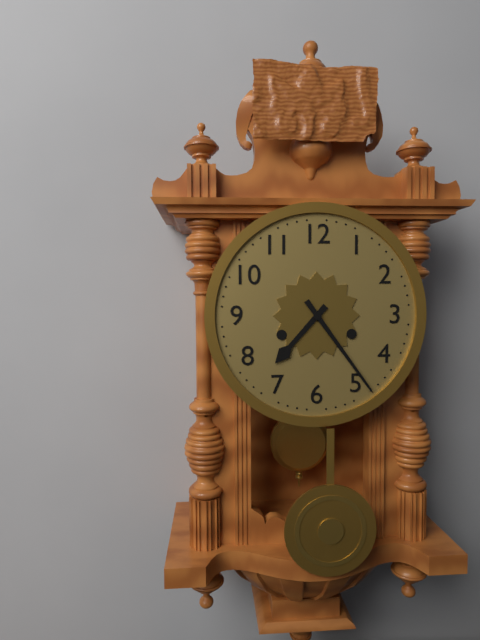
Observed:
7.24
